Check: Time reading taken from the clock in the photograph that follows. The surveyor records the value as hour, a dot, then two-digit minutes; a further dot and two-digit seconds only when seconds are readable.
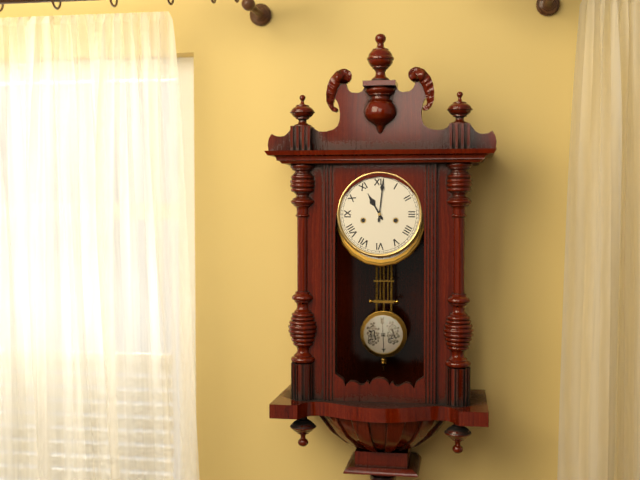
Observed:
11.01
